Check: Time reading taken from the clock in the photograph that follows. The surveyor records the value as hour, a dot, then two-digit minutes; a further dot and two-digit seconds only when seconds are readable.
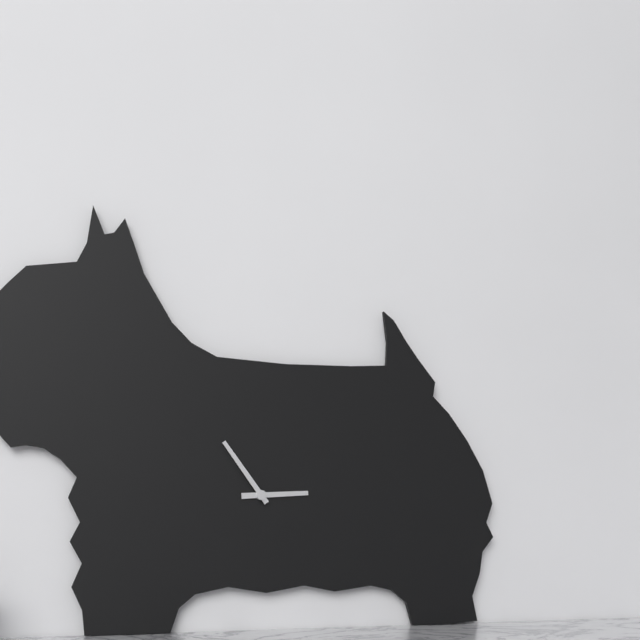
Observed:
2.54
